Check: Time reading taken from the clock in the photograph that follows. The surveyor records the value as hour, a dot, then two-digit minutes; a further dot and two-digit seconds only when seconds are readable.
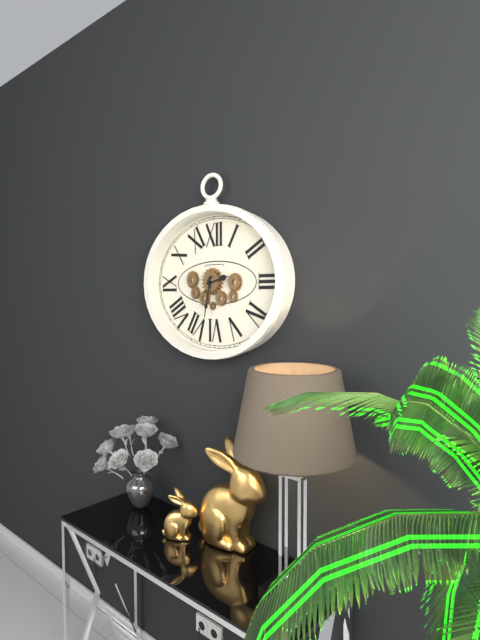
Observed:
2.32
